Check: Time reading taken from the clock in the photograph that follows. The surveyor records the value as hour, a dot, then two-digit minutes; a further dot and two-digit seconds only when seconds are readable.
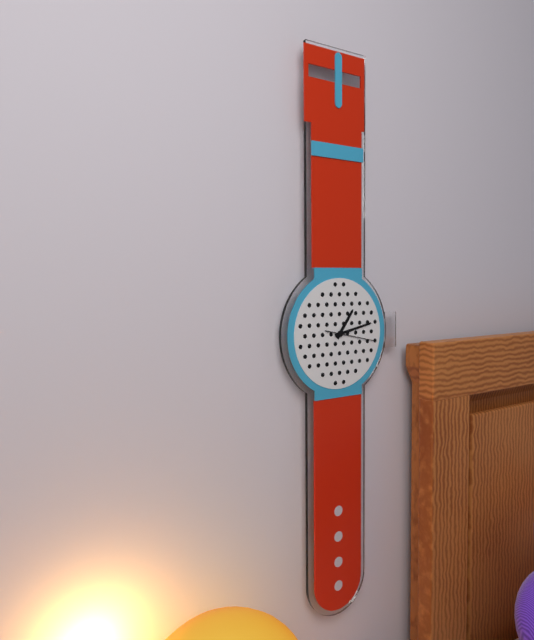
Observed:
1.13.17
